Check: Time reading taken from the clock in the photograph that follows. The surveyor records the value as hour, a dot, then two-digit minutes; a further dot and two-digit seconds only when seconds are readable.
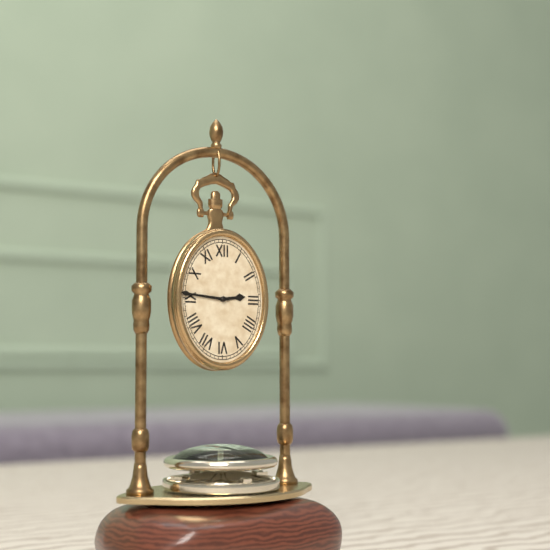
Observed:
2.46
